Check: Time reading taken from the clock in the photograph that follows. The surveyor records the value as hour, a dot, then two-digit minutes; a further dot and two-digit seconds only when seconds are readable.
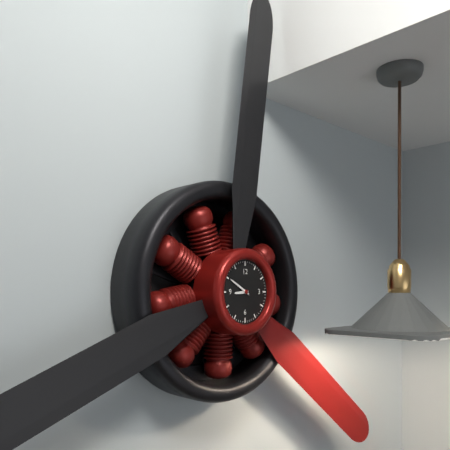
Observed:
8.50
